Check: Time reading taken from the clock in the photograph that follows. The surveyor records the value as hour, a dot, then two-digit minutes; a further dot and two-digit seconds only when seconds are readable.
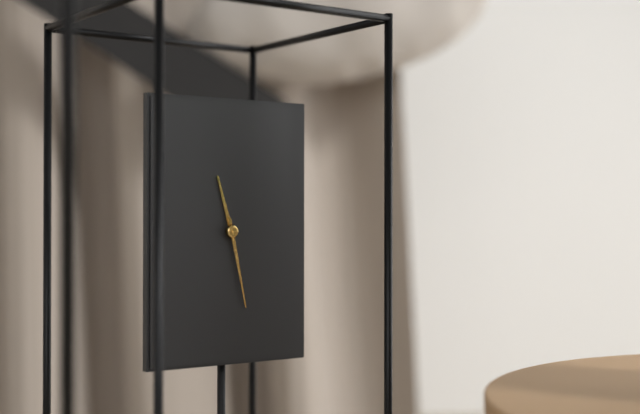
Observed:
11.28
